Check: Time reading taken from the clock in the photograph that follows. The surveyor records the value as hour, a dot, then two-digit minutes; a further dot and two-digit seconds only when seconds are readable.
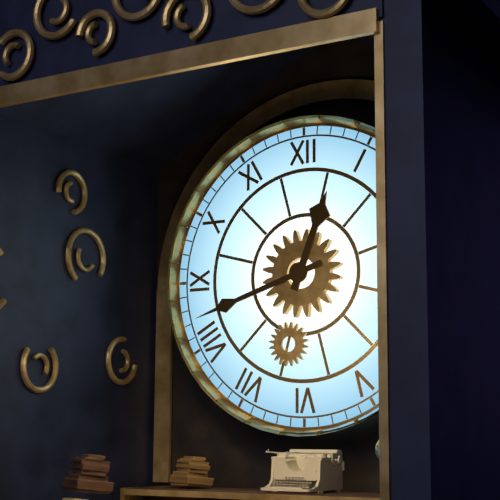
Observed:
12.42
